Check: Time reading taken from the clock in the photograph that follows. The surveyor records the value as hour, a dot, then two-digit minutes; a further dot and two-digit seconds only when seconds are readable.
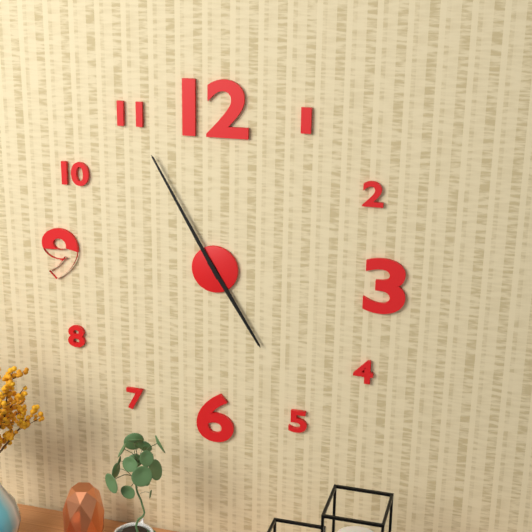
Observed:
4.55
